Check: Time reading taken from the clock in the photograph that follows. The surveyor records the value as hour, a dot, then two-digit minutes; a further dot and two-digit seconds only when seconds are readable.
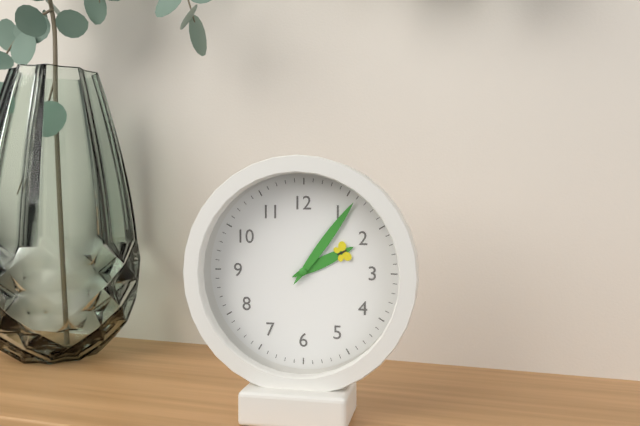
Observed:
2.06
